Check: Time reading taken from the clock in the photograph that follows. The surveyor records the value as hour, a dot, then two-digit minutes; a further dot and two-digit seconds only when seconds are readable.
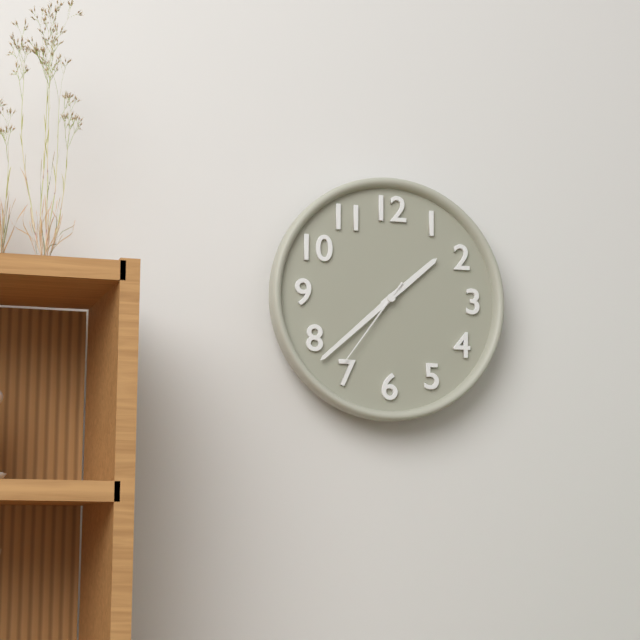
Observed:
1.38.36
